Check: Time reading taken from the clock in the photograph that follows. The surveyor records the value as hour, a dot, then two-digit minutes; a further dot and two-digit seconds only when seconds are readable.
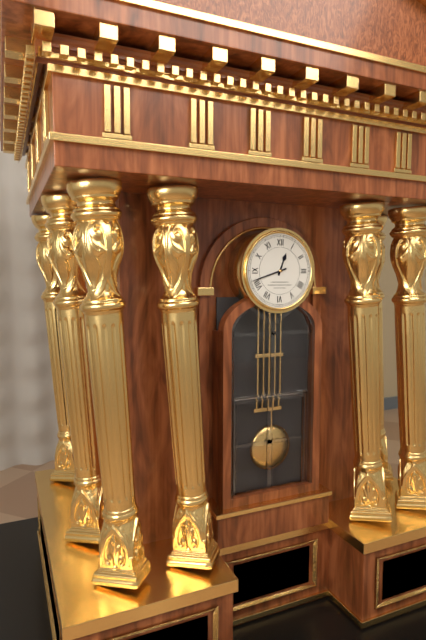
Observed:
12.42
